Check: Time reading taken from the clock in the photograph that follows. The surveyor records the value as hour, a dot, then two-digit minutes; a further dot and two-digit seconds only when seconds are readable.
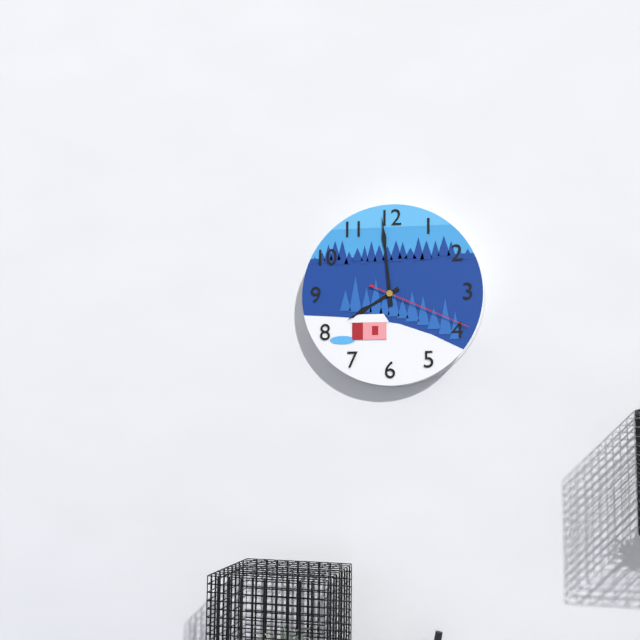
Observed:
7.59.19
